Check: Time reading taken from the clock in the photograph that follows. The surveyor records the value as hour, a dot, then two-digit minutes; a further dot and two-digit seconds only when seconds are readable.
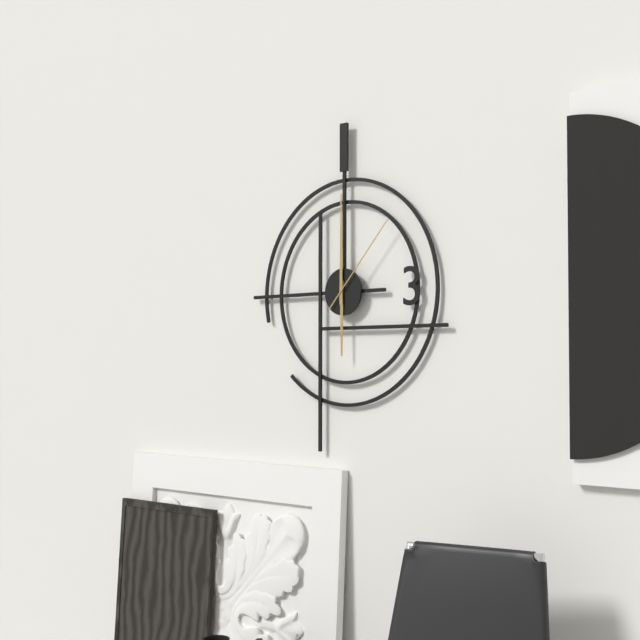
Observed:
6.00.07
